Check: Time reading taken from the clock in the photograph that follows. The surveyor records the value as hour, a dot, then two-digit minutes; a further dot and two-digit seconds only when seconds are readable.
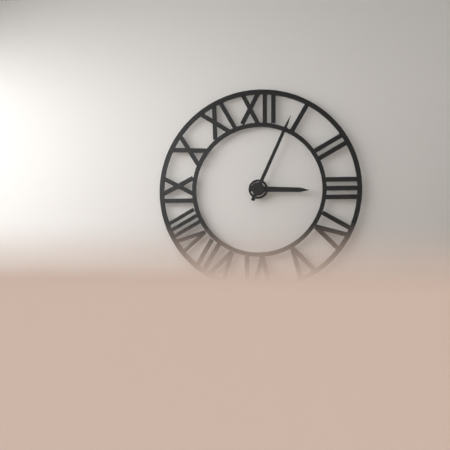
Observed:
3.04
